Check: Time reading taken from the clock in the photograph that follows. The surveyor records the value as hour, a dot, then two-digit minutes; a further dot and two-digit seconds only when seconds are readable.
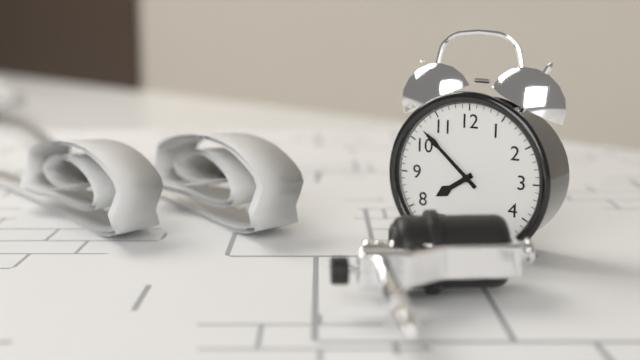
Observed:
7.52
